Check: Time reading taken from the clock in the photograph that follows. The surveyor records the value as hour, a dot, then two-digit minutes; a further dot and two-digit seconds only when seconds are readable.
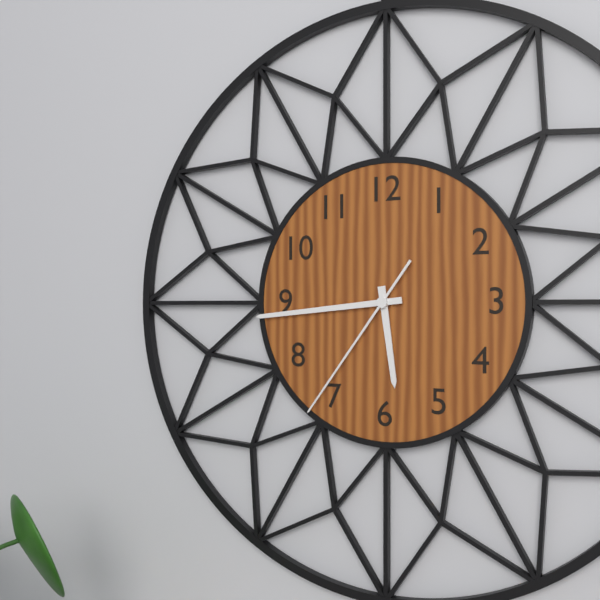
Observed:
5.44.36
